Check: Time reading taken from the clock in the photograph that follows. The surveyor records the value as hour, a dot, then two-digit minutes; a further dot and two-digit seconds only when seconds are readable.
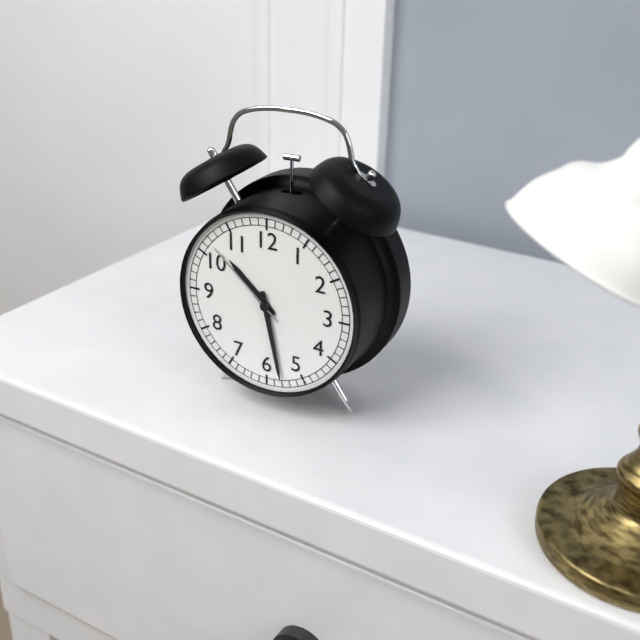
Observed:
10.28.52
